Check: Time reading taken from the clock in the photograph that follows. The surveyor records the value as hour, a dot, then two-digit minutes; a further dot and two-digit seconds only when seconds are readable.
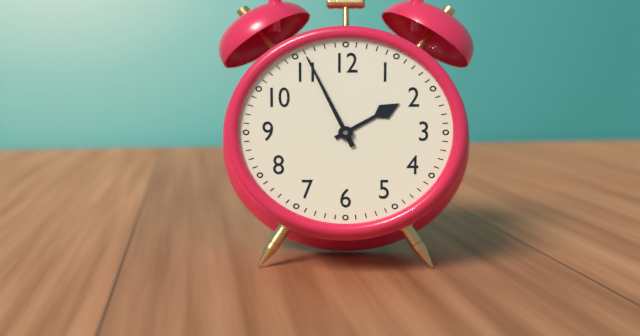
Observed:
1.56
